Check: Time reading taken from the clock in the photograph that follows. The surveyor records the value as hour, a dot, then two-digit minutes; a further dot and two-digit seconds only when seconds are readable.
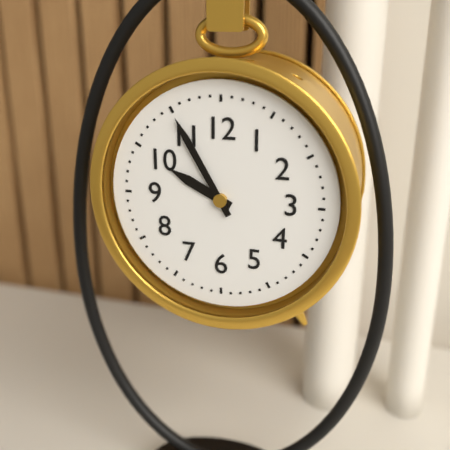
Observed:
9.55
